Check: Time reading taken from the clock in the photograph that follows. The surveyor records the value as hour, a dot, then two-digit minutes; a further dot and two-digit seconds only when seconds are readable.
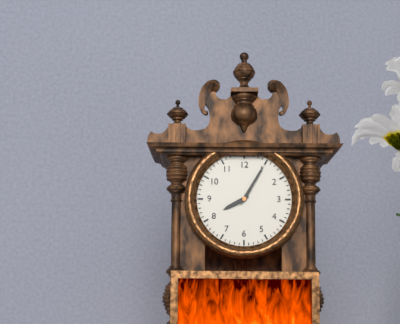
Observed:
8.05
